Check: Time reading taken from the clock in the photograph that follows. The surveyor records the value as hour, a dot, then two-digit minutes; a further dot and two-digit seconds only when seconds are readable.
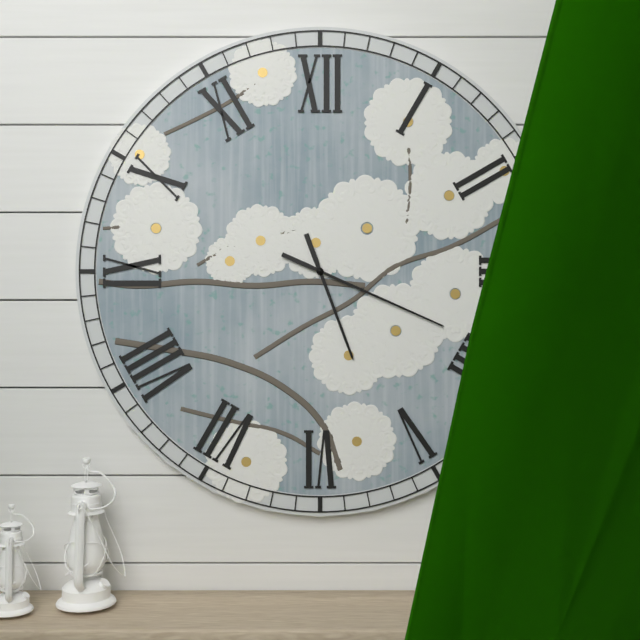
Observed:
5.19
